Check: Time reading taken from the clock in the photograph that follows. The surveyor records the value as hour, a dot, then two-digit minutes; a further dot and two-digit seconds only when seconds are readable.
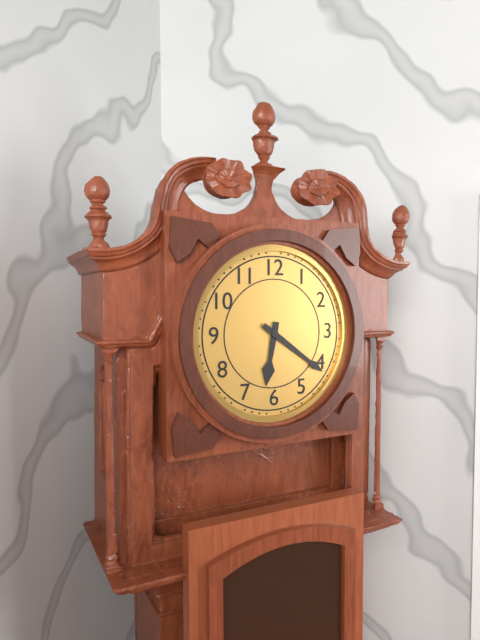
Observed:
6.21
